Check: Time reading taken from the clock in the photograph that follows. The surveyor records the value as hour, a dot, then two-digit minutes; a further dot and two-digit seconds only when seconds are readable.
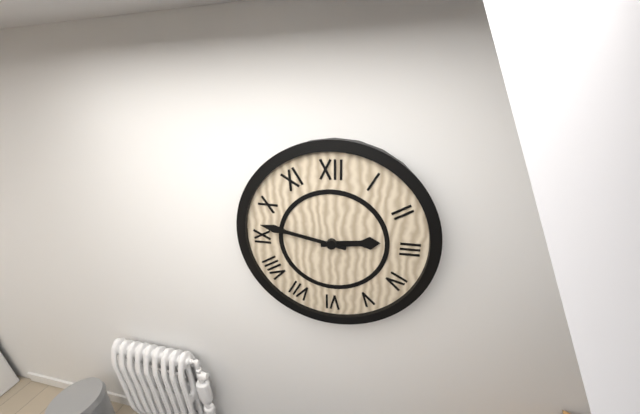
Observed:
2.47
